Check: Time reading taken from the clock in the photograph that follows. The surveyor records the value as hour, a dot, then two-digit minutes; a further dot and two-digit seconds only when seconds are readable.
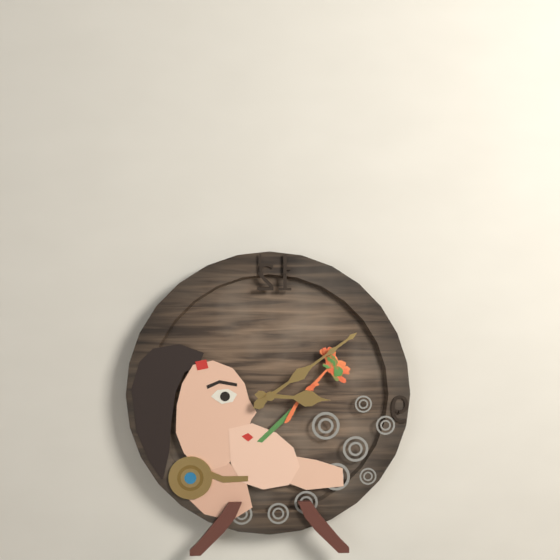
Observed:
3.09
